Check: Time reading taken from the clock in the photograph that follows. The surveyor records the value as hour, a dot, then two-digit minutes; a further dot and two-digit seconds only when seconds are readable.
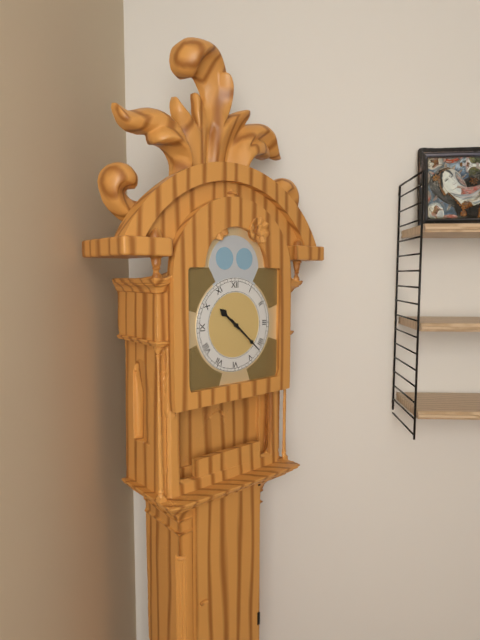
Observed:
10.22
